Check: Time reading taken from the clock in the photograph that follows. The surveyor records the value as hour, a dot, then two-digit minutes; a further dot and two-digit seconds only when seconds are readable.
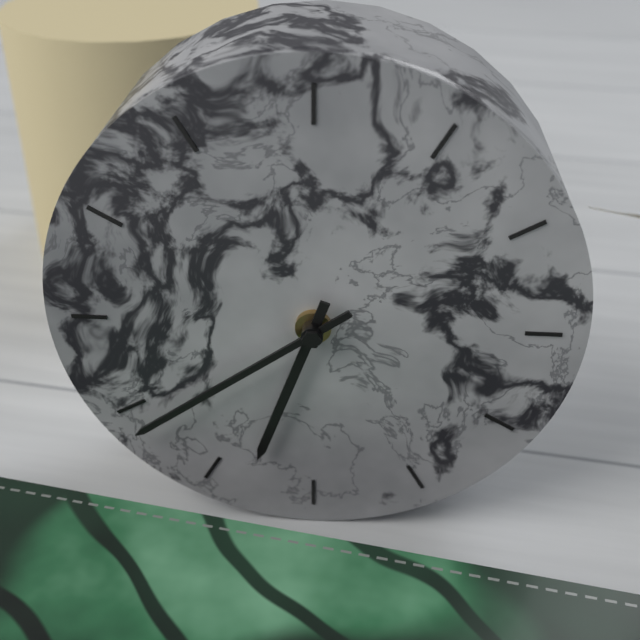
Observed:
6.39
